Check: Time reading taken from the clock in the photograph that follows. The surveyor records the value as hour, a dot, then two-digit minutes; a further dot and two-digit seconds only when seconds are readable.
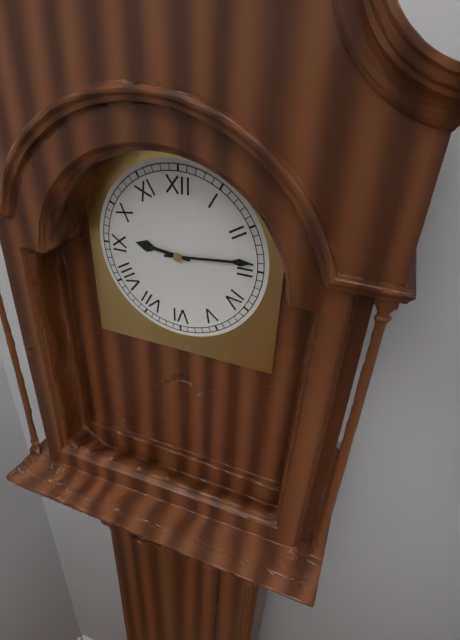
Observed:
9.14
